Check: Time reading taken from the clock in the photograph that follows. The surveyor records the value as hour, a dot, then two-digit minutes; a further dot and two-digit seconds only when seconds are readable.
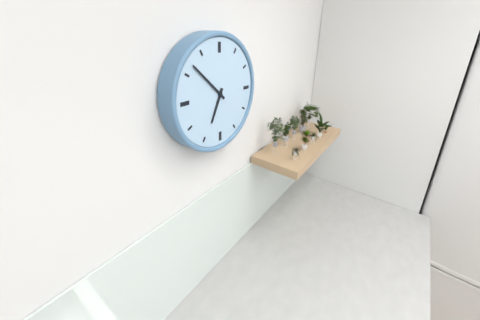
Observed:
6.52
